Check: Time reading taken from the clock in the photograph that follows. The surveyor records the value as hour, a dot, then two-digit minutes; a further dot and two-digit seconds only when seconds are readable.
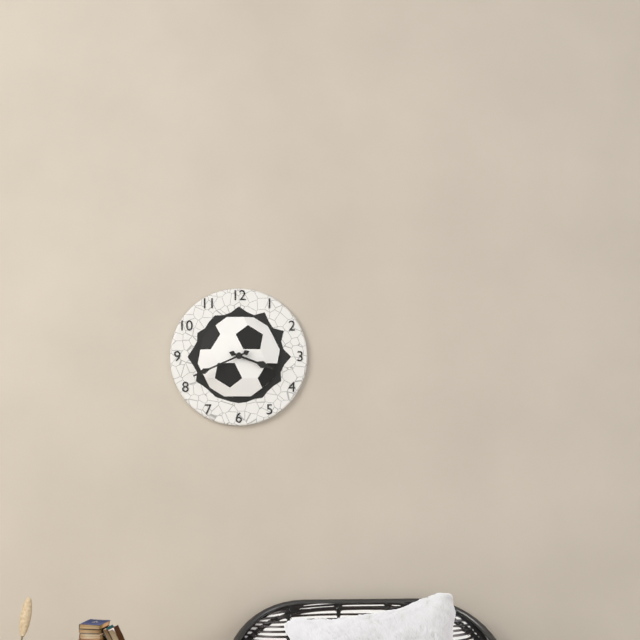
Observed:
3.41
